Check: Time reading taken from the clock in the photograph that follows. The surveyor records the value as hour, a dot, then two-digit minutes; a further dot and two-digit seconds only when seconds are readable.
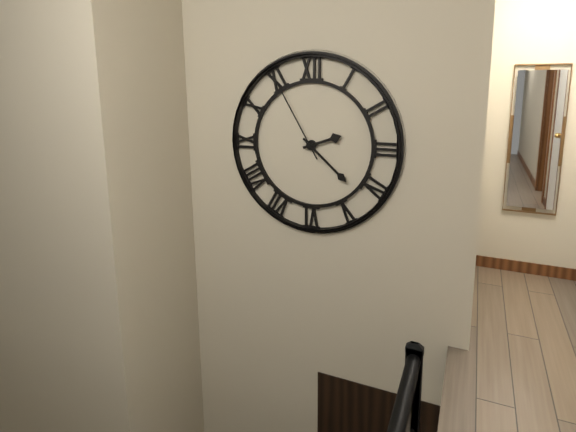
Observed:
2.22.55
